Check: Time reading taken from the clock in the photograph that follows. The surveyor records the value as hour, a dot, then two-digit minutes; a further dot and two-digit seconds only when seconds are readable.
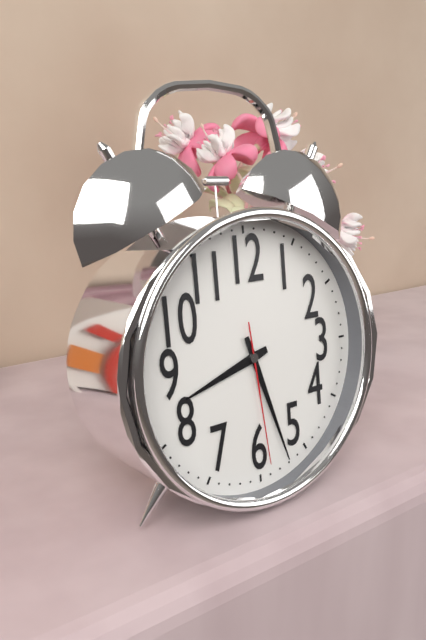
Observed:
8.27.29
